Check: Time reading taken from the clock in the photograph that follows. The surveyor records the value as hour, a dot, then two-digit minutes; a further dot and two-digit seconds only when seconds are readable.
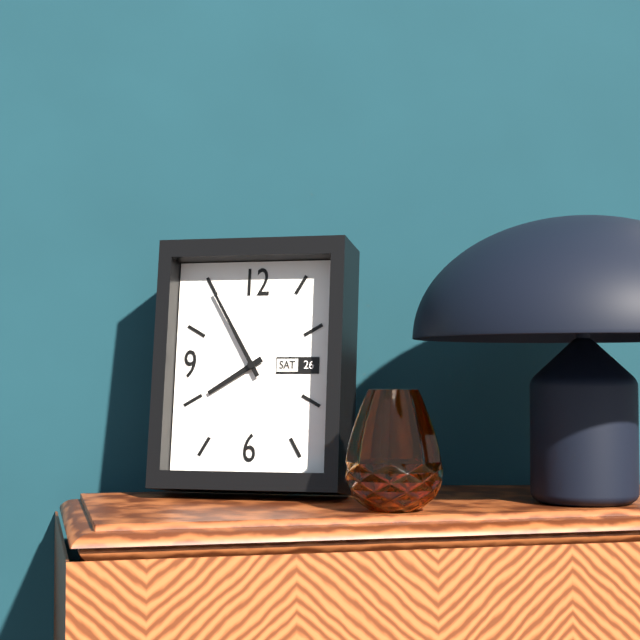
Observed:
7.55
